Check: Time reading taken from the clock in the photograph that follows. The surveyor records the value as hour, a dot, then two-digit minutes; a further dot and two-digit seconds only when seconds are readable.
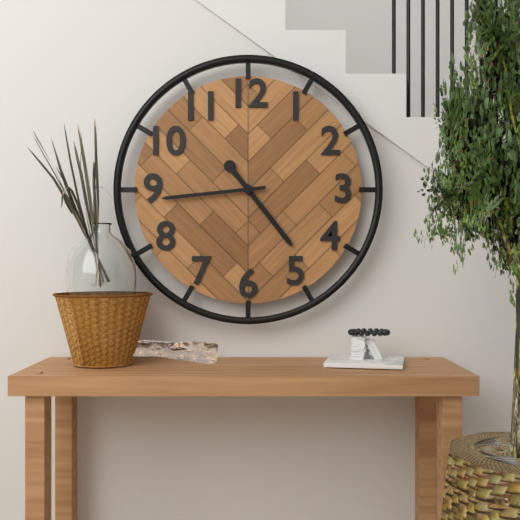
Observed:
4.44
